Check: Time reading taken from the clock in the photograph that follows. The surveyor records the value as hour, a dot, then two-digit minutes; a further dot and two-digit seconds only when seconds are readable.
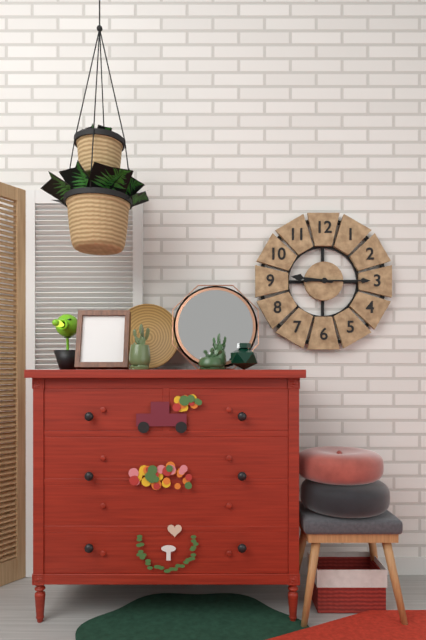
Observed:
9.15
